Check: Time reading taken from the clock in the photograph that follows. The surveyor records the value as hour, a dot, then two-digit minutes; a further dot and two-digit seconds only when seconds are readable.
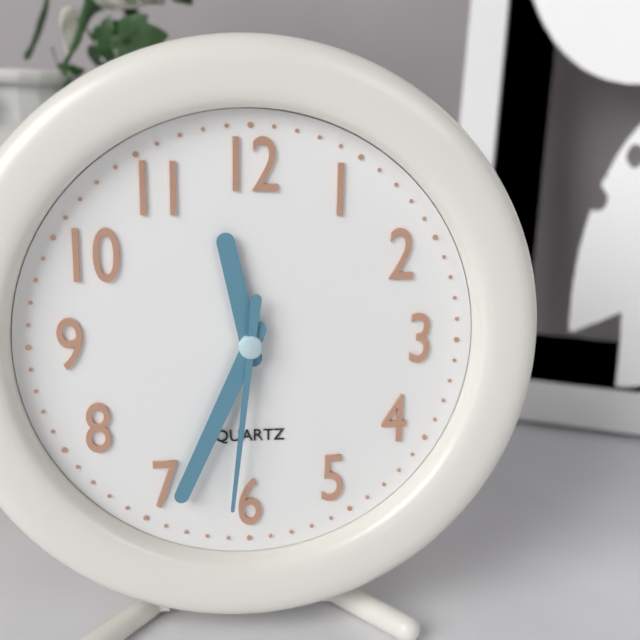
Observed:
11.34.31
